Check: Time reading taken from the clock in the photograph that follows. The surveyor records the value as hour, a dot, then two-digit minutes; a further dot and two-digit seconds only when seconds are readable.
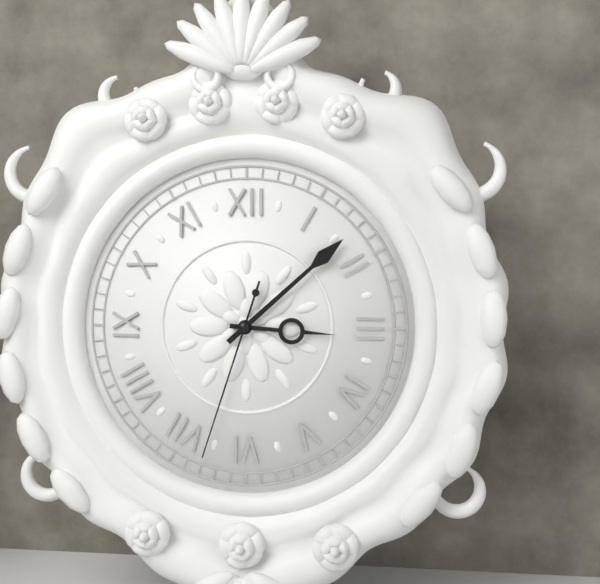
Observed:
3.08.33
